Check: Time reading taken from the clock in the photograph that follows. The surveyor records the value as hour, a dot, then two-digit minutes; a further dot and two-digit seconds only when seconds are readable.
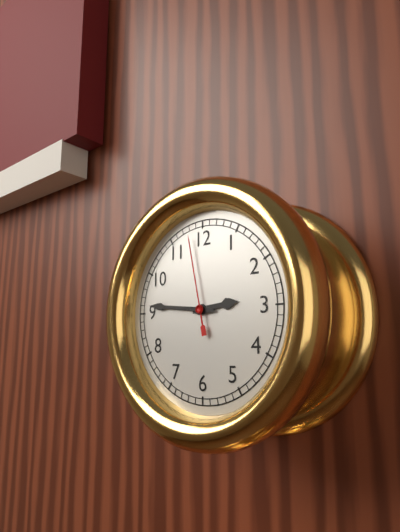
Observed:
2.46.58
